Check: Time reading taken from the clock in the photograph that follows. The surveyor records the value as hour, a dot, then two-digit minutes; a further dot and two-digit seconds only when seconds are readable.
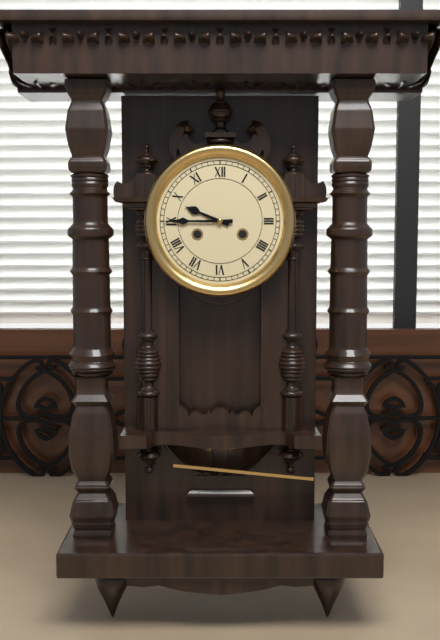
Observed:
9.45
